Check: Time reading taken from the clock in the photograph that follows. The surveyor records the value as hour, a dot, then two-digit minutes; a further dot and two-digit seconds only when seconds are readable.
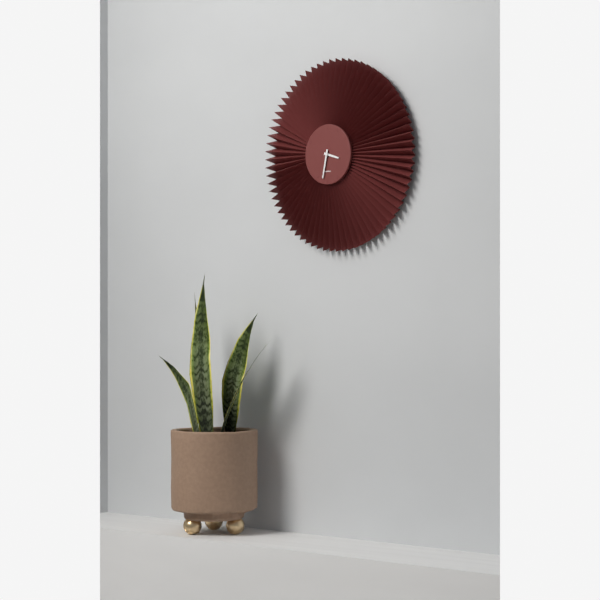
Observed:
3.32
